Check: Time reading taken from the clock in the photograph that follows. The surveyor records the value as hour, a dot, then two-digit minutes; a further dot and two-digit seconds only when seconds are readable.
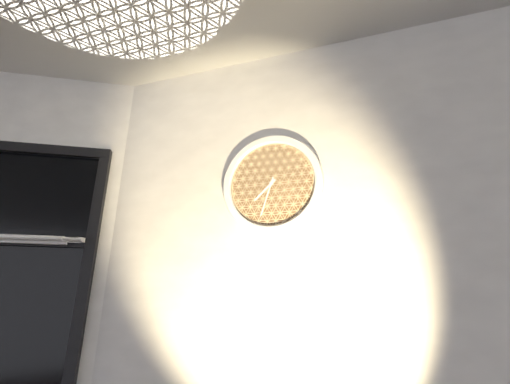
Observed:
7.33
